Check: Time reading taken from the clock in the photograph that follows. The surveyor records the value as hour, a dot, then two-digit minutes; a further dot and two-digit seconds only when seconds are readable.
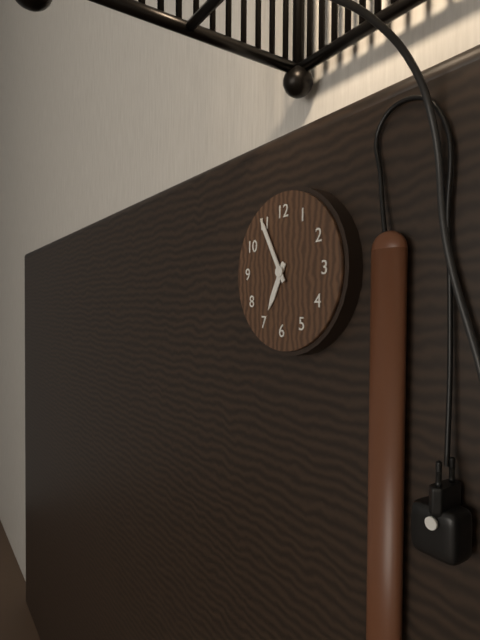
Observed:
6.55
